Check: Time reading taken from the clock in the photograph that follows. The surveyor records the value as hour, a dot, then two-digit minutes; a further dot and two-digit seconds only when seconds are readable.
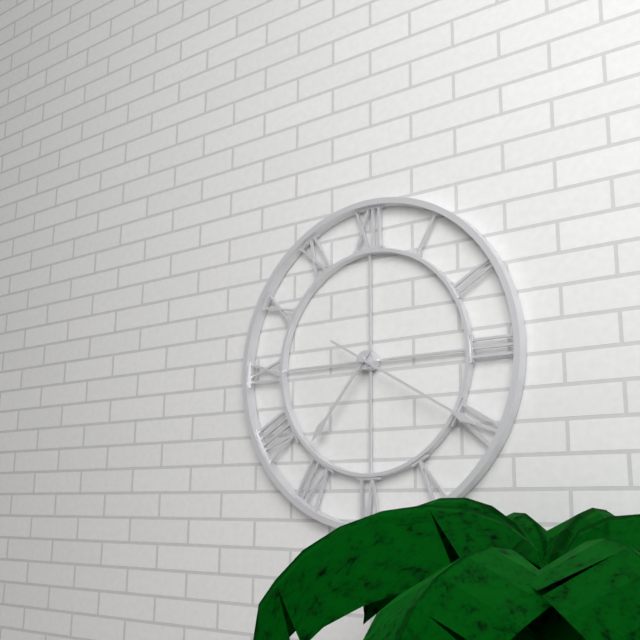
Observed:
7.20
